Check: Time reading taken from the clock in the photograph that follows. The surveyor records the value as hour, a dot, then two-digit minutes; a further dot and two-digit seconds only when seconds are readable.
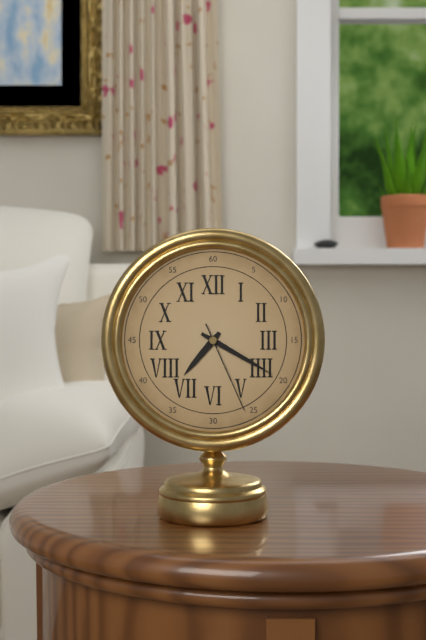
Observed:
7.20.26
